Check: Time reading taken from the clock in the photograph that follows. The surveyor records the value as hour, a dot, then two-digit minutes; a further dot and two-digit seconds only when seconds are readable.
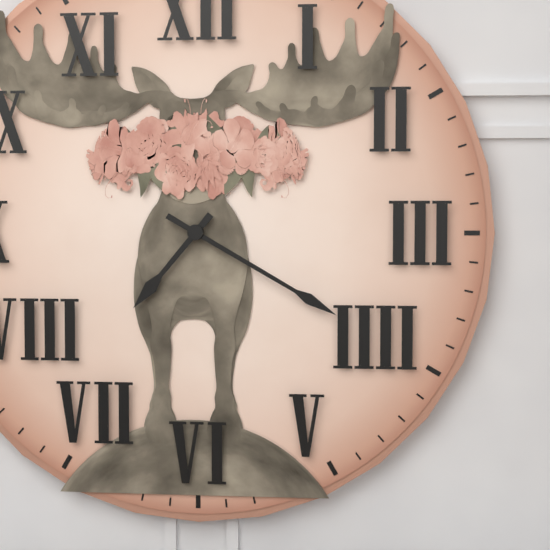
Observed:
7.20
